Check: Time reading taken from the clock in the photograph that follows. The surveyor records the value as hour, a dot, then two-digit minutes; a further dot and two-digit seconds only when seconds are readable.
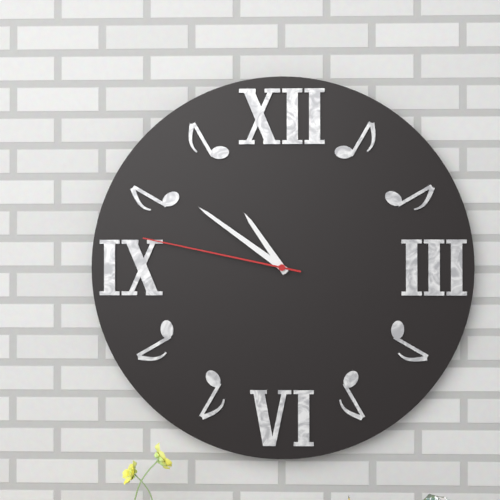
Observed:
10.51.47
